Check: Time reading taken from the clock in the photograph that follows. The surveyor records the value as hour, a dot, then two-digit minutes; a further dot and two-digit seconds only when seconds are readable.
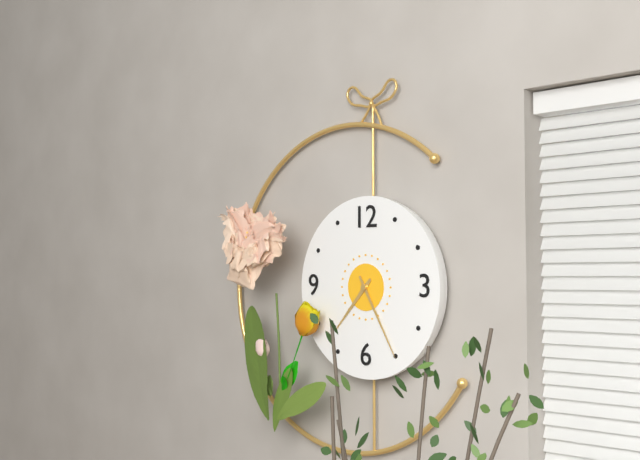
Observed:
7.25
